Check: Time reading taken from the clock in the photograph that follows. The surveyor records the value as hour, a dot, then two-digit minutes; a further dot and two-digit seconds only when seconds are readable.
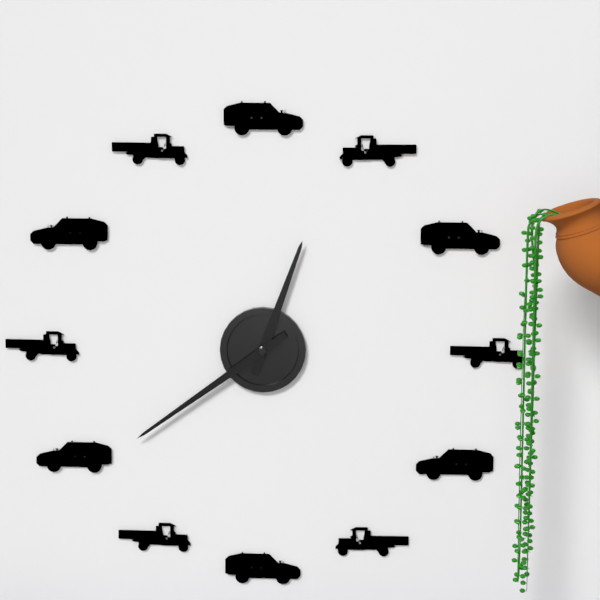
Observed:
12.39
